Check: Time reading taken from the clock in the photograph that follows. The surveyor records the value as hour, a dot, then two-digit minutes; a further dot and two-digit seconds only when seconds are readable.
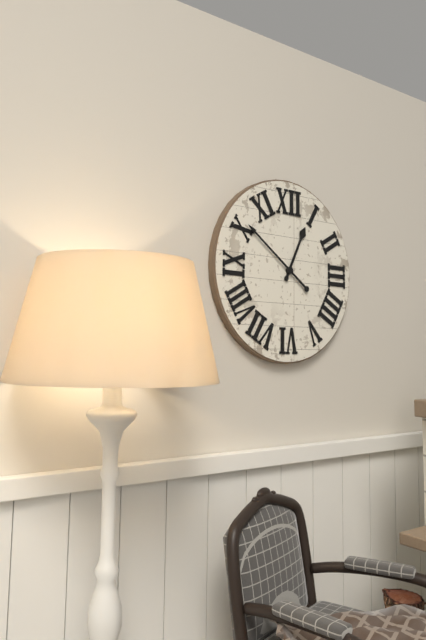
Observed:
12.51
